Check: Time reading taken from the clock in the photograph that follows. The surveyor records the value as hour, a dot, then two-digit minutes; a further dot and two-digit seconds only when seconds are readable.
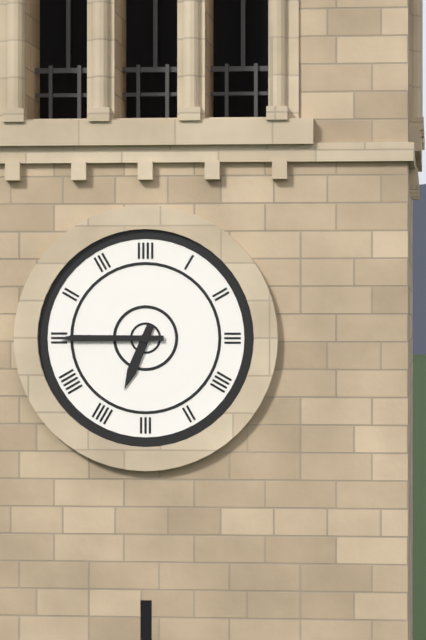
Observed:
6.45
